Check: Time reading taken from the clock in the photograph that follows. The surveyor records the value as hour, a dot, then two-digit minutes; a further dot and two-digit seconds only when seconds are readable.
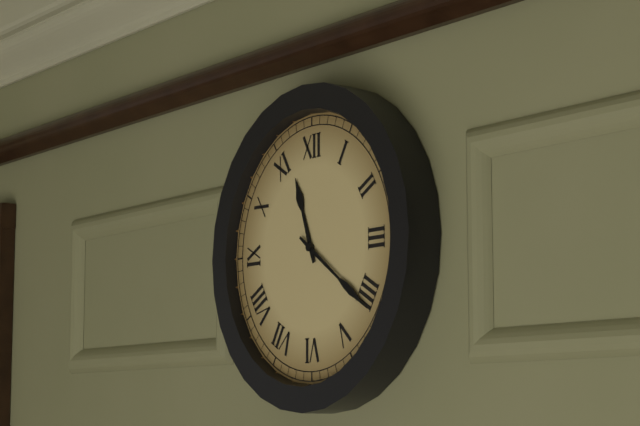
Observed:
11.21
